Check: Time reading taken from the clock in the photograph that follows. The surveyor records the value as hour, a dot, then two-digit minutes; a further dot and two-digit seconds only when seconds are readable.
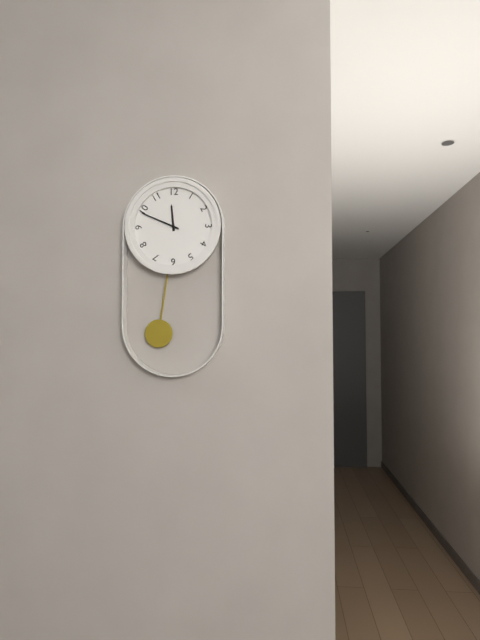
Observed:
11.49
